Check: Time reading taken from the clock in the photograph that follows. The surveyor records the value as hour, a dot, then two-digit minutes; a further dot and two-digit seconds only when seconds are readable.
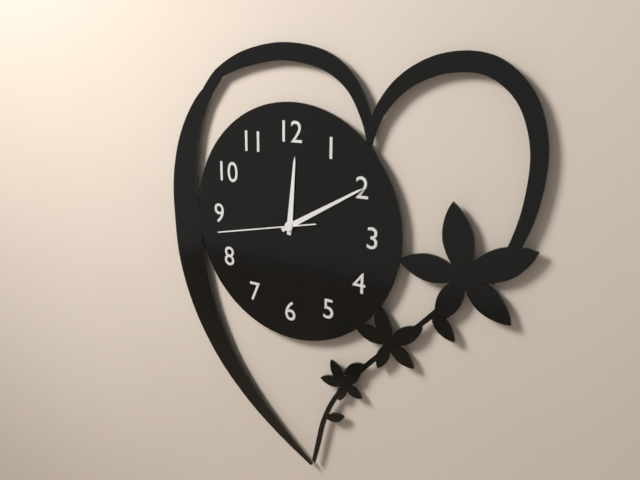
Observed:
12.10.43
